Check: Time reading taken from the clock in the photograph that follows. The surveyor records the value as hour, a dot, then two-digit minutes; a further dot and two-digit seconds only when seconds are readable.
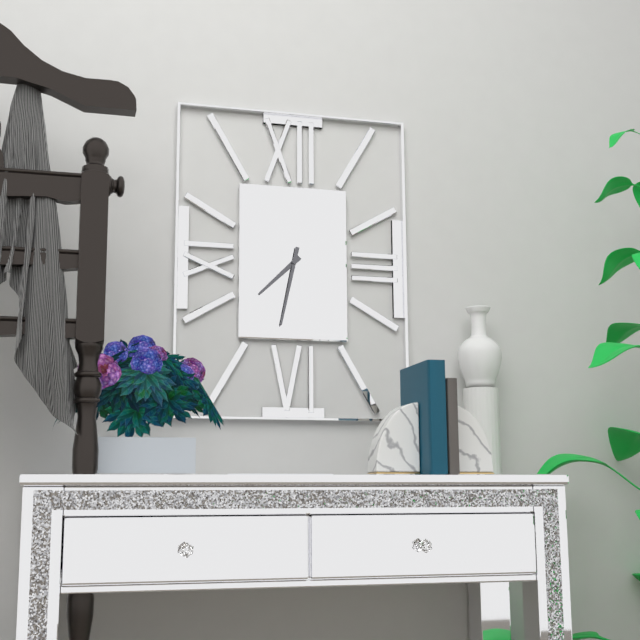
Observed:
7.32
